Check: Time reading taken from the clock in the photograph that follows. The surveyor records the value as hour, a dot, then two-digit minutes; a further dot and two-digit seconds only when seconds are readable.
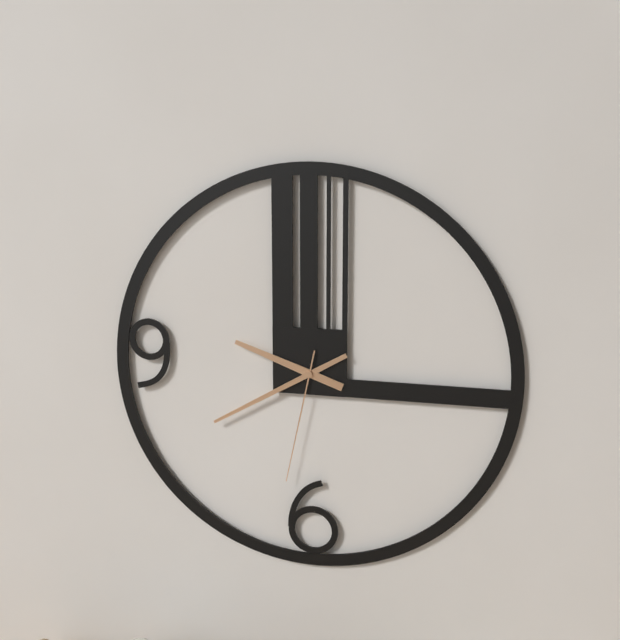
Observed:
9.40.32
